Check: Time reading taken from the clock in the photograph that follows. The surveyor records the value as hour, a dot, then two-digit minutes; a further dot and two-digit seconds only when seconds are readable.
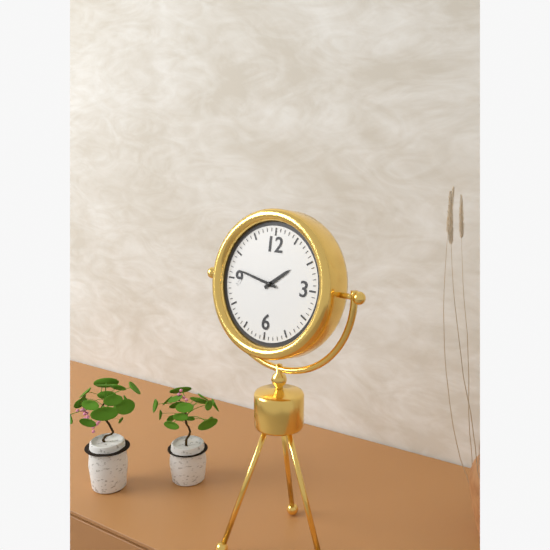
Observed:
1.47
